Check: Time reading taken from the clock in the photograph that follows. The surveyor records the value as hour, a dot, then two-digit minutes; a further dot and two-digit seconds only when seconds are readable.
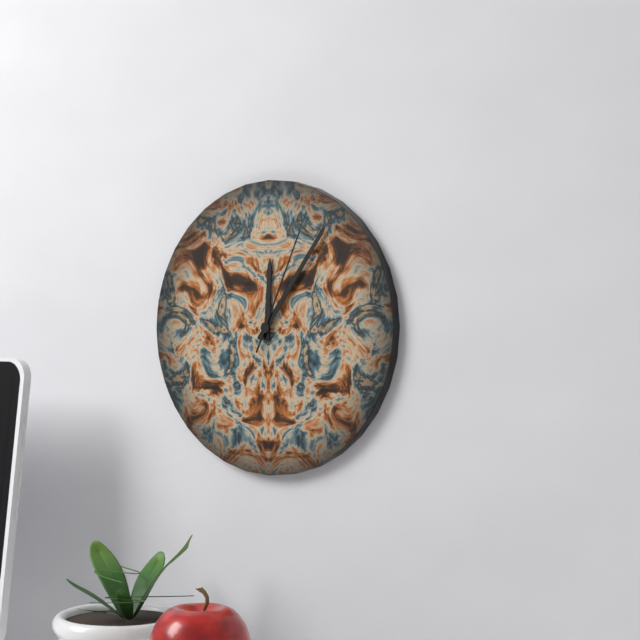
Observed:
12.06.04
